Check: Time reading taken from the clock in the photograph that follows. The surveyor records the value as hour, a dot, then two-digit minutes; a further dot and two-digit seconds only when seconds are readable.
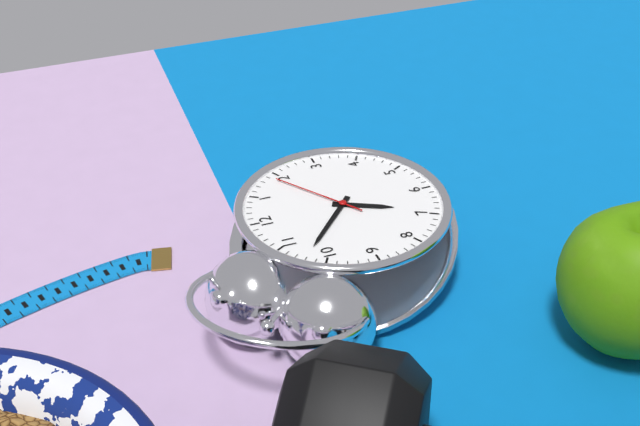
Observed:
6.52.09
